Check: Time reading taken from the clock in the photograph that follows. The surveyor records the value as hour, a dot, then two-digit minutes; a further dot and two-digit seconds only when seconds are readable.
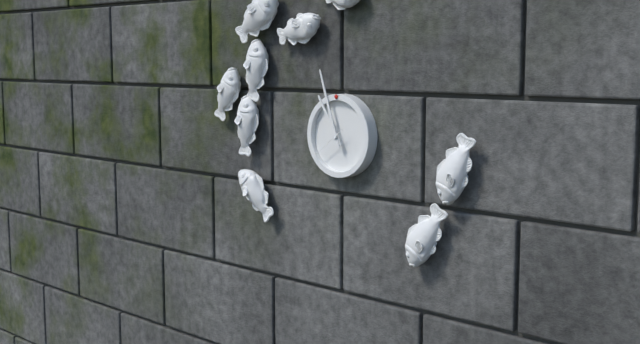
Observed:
10.57
